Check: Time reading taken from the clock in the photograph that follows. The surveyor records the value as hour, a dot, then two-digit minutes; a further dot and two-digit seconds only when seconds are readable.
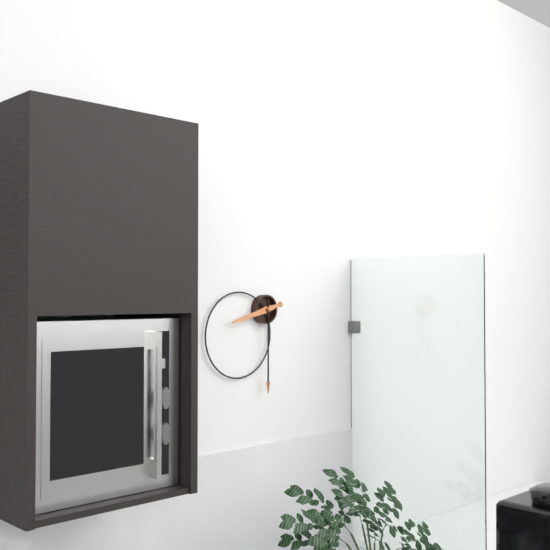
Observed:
8.30
